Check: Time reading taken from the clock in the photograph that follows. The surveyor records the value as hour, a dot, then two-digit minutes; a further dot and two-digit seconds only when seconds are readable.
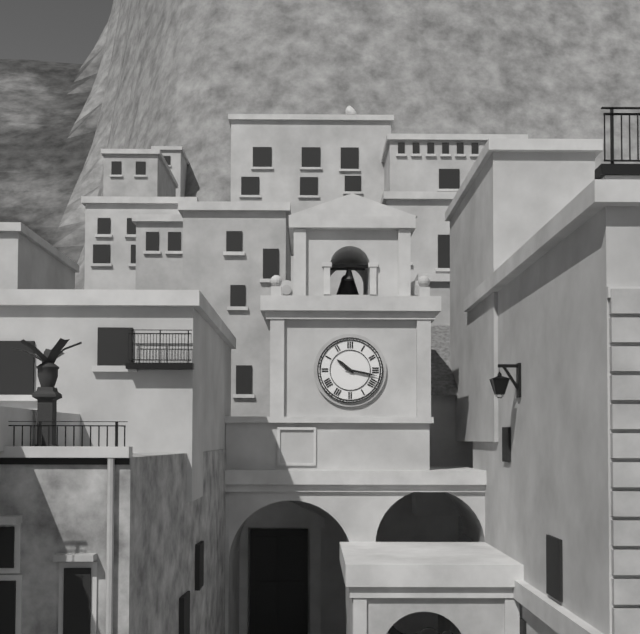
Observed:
10.17
